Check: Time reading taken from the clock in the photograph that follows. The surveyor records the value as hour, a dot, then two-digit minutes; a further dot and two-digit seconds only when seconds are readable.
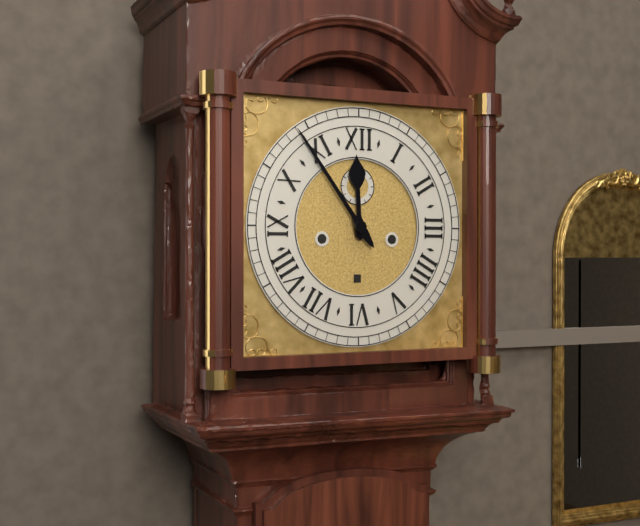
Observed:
11.54
